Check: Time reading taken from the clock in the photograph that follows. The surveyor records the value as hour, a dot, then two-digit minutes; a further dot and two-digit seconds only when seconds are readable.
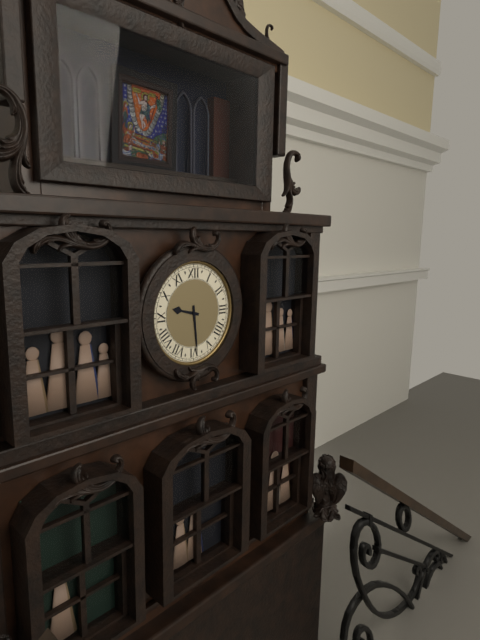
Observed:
9.29
